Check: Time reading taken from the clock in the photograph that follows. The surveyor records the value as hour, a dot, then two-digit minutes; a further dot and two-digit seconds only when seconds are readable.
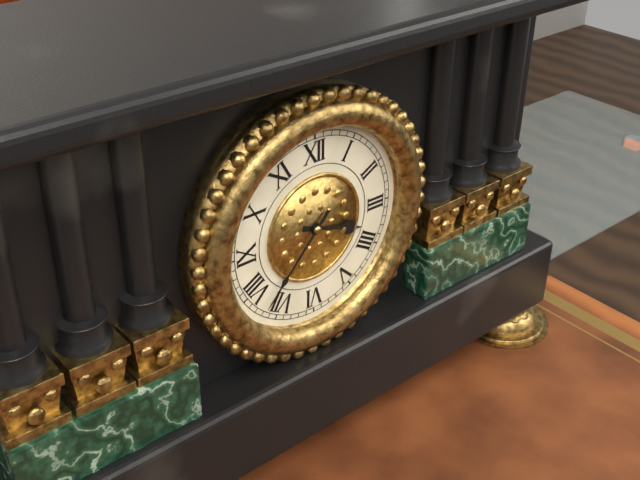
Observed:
3.37
